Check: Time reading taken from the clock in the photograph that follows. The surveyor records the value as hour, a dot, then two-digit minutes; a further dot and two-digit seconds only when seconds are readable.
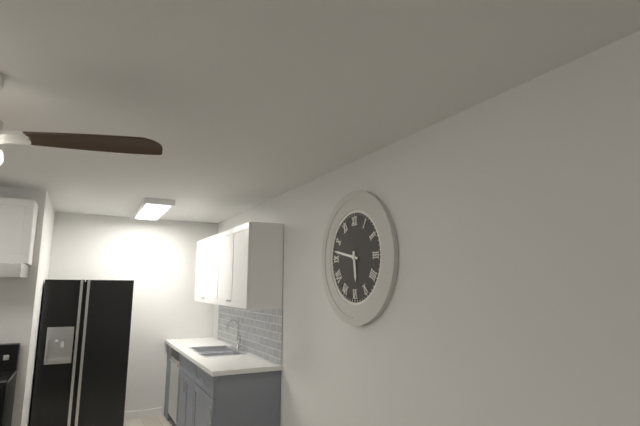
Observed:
5.47
